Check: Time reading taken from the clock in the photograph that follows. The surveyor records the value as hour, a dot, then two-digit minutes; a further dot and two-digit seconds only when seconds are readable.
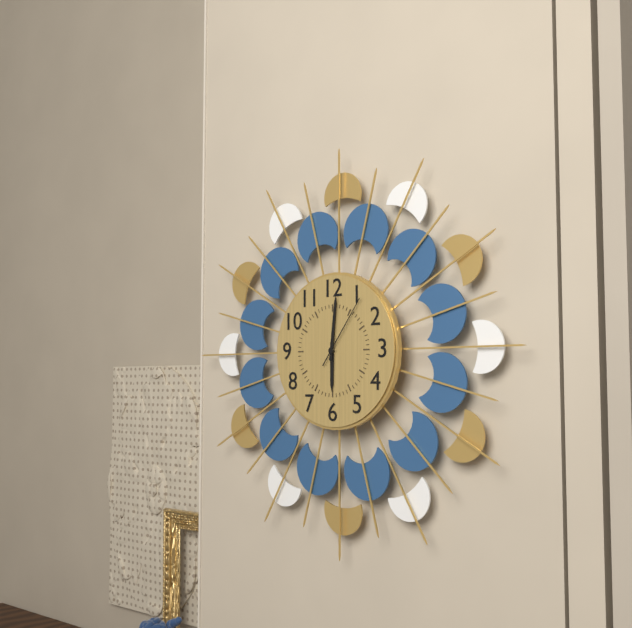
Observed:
6.01.06
